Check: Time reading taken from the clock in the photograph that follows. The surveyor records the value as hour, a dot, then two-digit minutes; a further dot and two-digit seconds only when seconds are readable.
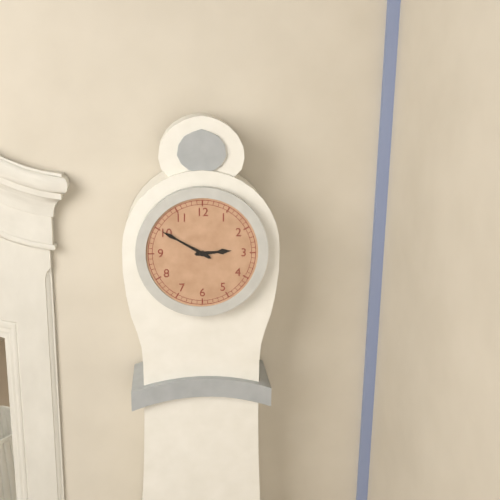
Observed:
2.50
